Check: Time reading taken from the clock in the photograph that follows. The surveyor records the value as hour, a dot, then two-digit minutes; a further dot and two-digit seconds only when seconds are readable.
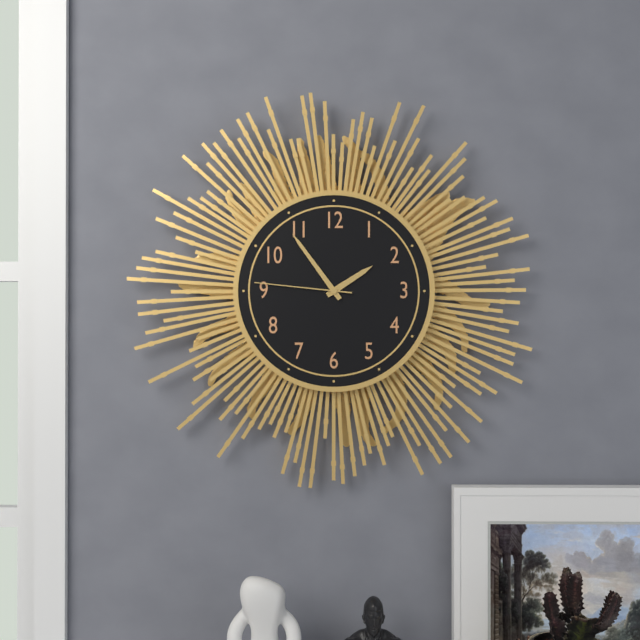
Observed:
1.54.46
